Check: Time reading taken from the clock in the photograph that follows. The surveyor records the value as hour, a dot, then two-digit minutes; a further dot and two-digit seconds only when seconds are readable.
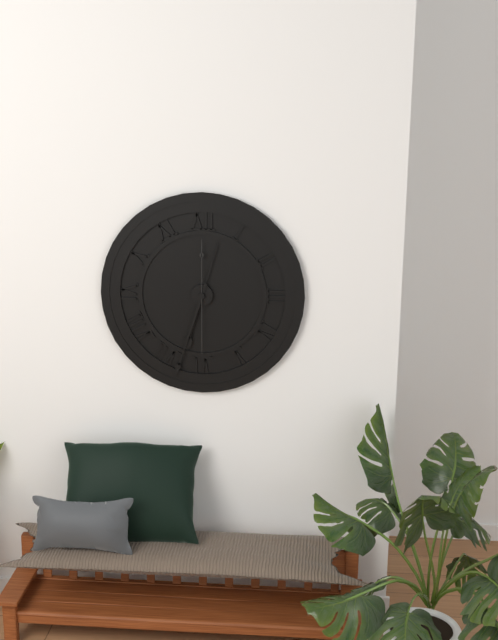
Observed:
6.33.30
